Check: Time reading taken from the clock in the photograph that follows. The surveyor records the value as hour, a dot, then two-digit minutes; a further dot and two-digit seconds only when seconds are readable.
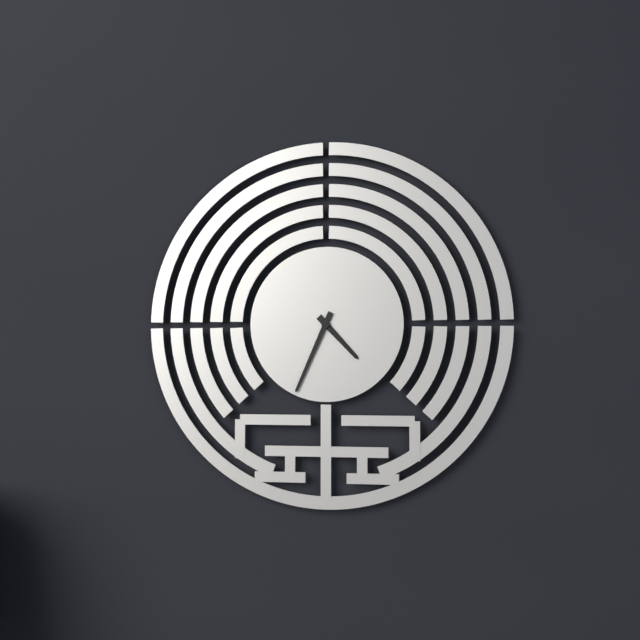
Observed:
4.34
